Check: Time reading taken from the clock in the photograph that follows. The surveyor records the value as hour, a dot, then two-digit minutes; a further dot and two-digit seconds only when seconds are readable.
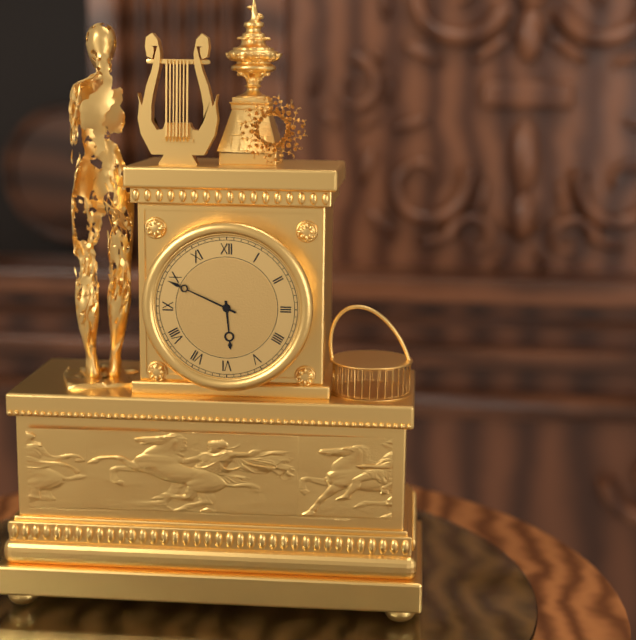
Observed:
5.49
